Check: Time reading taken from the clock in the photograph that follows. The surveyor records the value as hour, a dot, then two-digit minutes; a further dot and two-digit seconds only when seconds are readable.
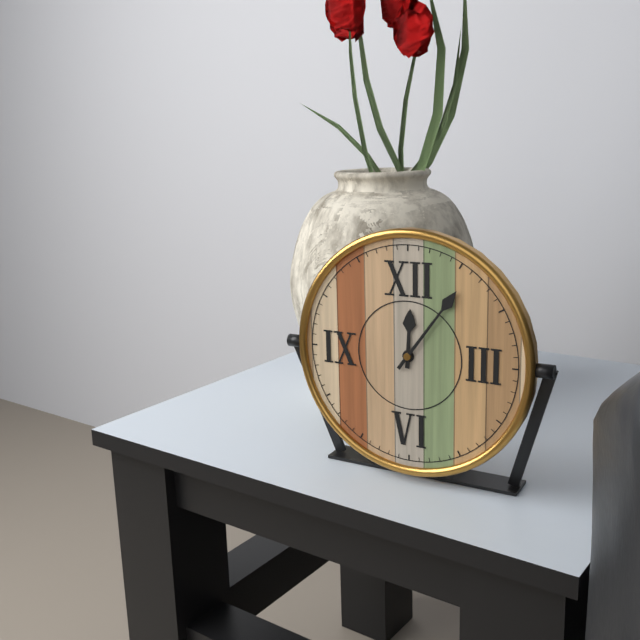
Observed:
12.06
